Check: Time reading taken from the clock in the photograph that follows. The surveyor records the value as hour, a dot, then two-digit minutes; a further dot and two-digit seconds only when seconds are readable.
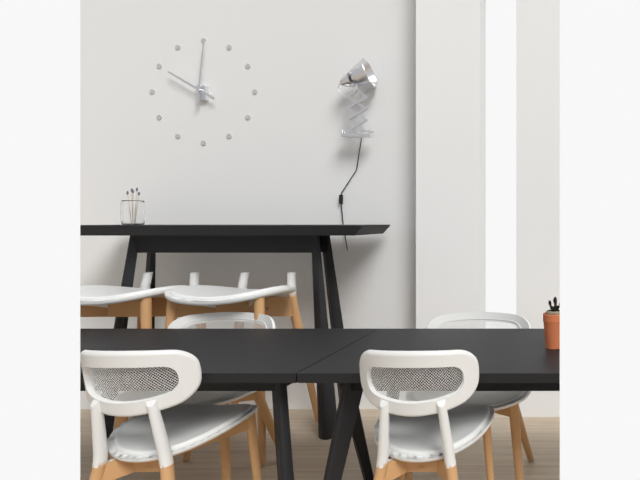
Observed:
10.01
